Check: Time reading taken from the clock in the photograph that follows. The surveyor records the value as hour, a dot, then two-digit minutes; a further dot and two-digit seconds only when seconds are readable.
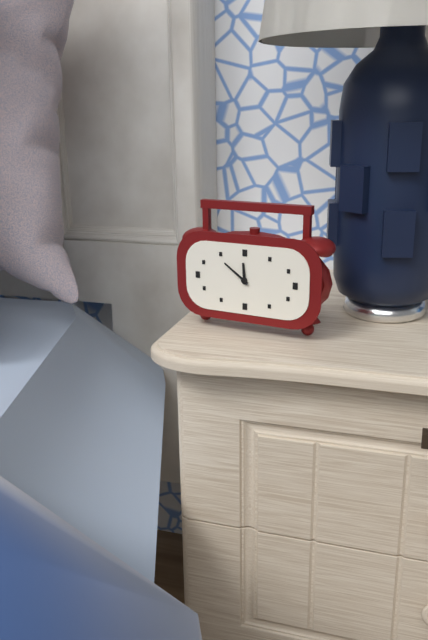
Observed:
11.51
